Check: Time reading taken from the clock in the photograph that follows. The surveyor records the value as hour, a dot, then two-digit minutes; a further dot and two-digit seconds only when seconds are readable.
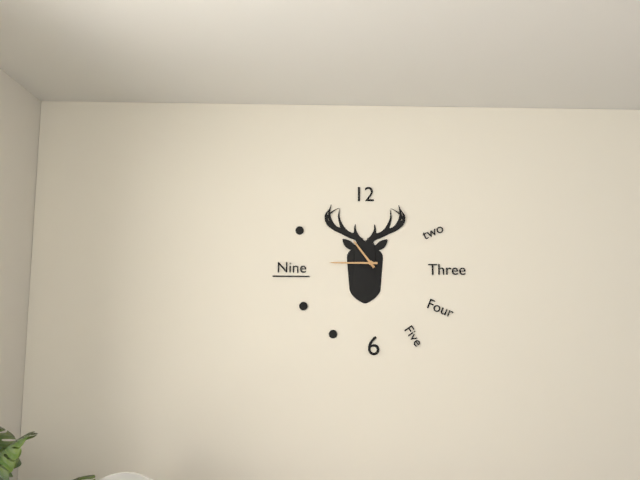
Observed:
10.45
